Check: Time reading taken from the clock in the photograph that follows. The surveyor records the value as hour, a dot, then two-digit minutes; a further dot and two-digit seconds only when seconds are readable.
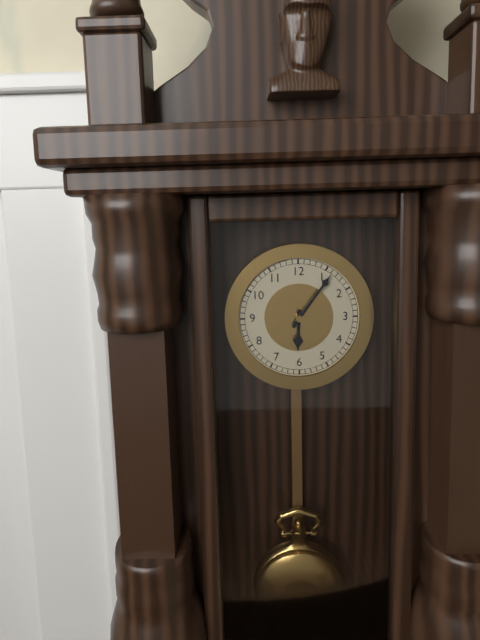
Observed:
6.06
